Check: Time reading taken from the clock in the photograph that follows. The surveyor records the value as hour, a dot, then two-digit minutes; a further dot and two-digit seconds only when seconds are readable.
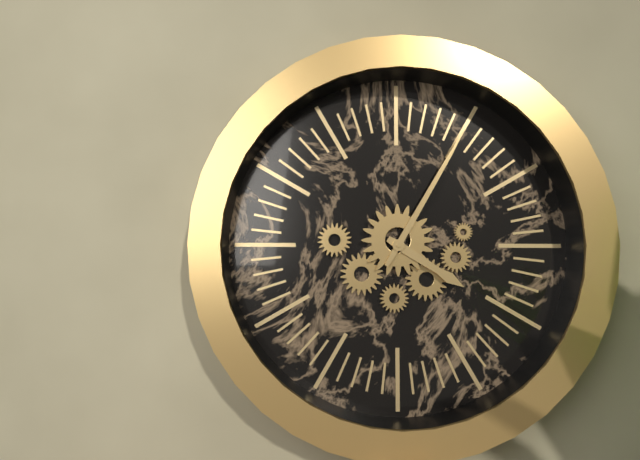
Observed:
4.05
